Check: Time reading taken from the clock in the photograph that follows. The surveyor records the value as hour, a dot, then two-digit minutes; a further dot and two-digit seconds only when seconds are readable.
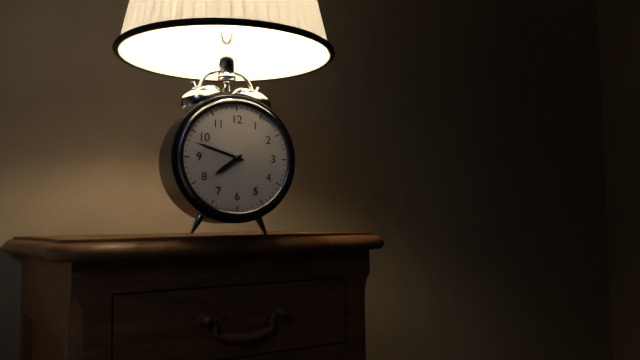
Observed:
7.48
